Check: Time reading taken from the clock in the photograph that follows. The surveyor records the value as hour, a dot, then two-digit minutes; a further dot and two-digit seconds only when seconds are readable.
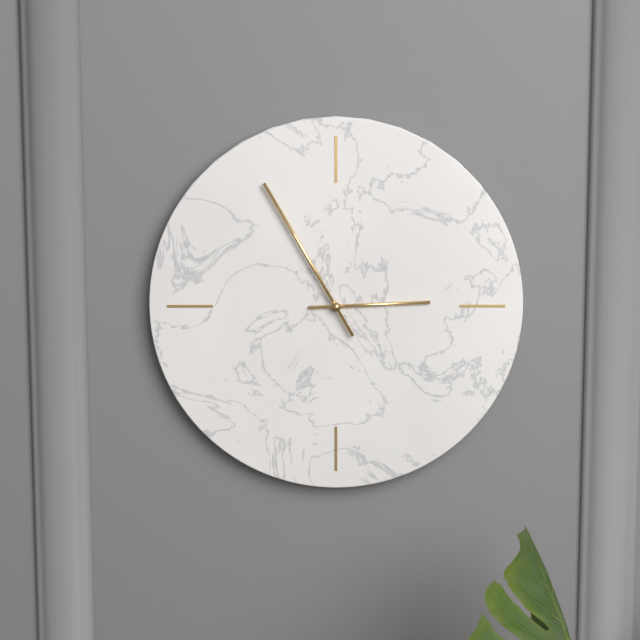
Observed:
2.55
